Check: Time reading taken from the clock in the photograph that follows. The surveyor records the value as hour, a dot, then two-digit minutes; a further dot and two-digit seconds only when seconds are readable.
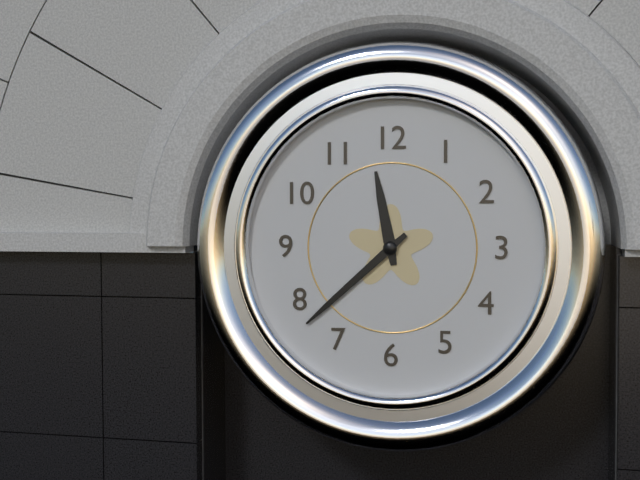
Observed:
11.38
